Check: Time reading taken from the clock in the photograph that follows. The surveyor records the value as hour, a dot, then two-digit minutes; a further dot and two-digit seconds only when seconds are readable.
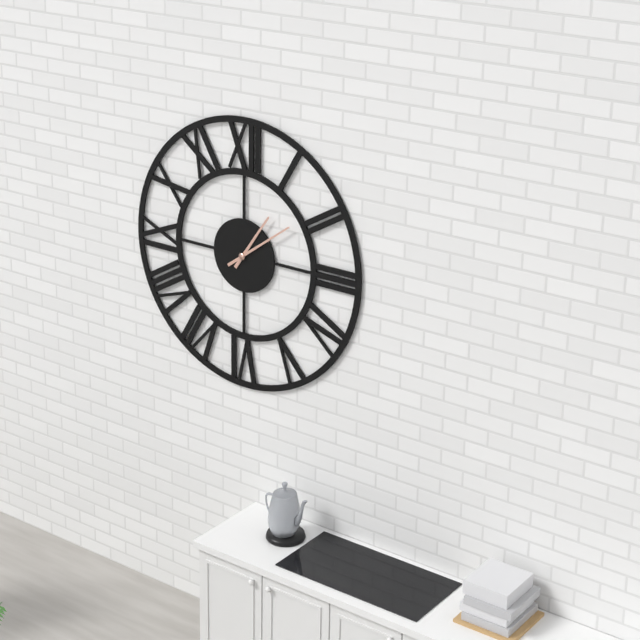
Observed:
1.09
